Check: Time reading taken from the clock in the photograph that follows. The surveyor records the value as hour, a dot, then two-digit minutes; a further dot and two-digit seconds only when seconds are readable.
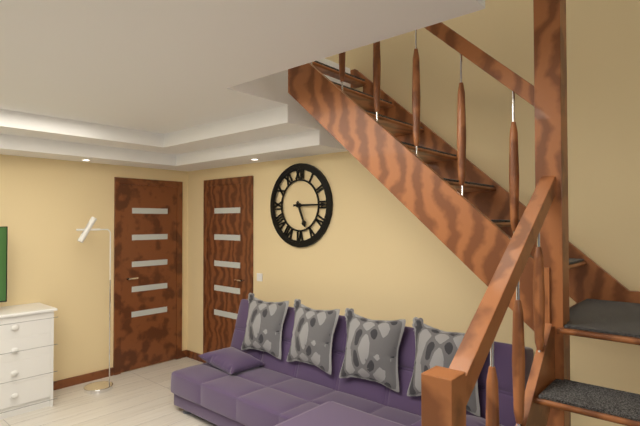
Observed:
5.15
